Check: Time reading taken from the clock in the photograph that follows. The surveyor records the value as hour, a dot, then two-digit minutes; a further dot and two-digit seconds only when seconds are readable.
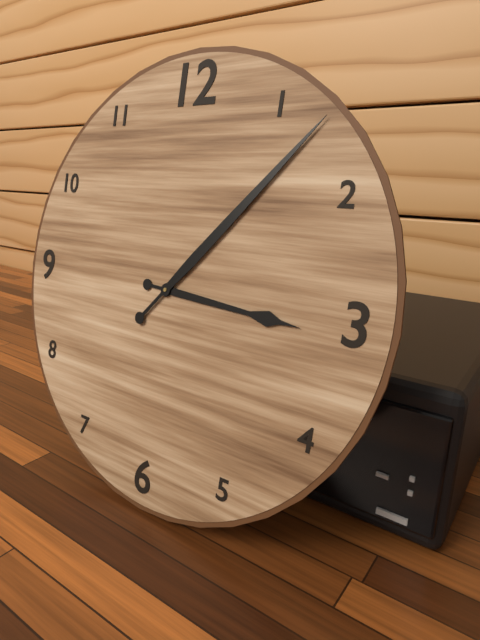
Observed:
3.07
